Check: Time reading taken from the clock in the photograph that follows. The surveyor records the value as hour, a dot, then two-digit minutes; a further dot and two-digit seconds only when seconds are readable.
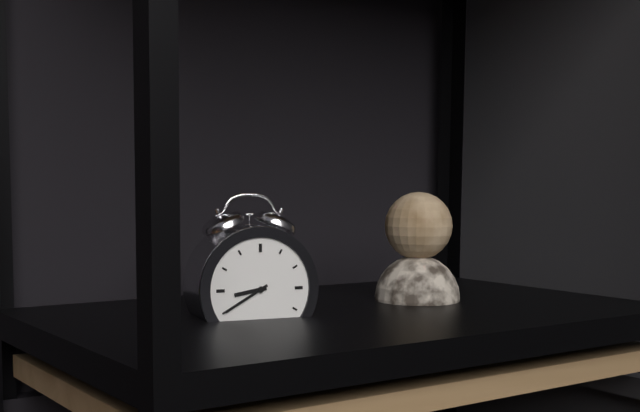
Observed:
8.40
